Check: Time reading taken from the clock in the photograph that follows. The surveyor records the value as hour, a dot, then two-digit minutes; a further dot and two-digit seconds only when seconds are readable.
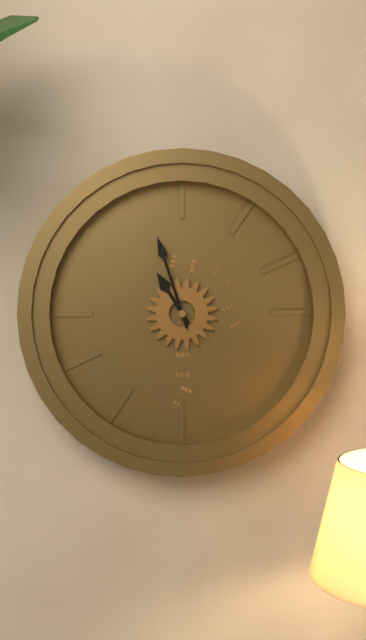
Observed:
10.57
